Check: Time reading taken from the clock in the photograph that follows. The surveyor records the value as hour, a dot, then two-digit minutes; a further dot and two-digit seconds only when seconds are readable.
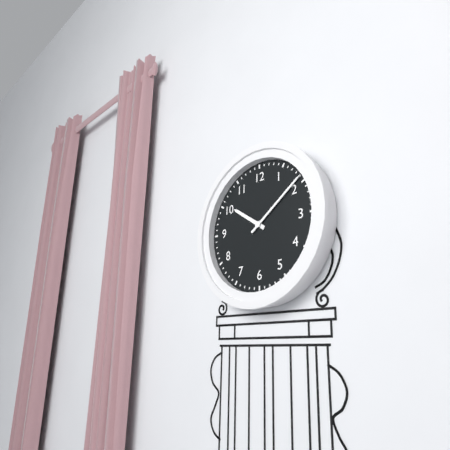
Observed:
10.09
